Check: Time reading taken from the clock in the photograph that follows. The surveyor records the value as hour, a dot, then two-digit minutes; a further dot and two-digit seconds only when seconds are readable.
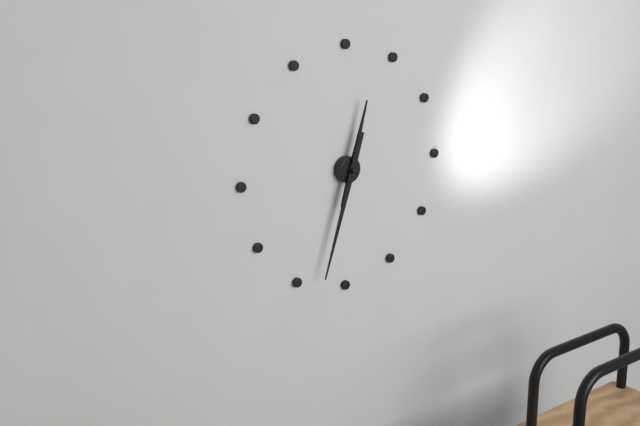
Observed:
12.33
